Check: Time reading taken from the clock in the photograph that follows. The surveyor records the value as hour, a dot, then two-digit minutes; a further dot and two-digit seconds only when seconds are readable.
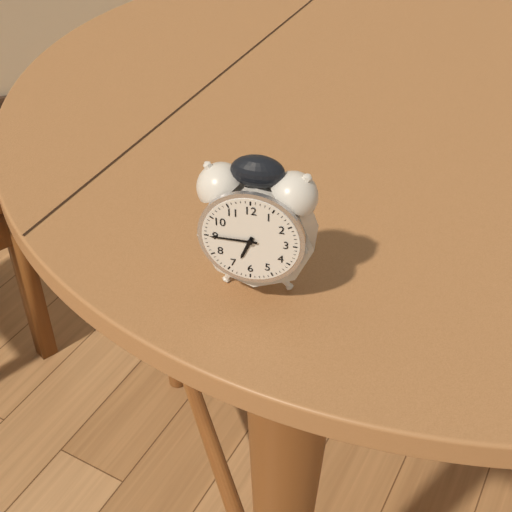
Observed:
6.45
